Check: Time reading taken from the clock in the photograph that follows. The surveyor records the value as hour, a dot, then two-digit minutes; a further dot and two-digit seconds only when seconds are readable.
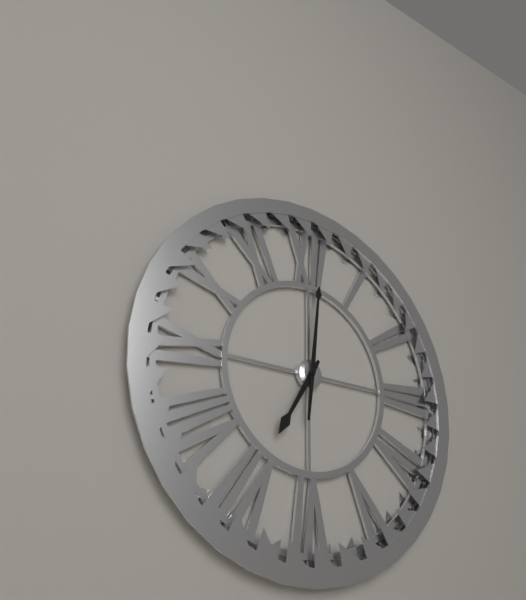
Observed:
7.01
